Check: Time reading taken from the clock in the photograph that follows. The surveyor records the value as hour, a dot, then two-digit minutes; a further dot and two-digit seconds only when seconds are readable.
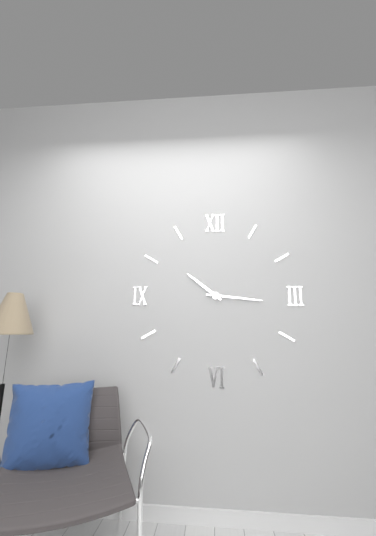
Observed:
10.16
